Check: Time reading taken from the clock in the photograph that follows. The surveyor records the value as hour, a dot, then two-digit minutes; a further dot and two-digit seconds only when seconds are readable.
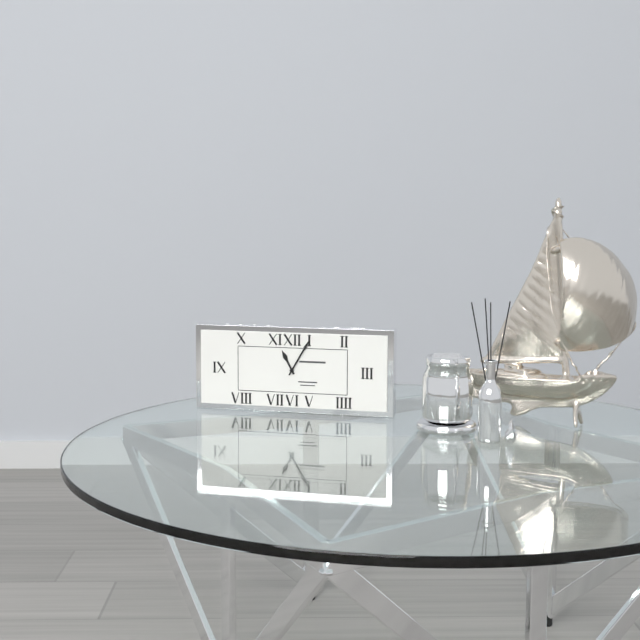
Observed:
11.05
